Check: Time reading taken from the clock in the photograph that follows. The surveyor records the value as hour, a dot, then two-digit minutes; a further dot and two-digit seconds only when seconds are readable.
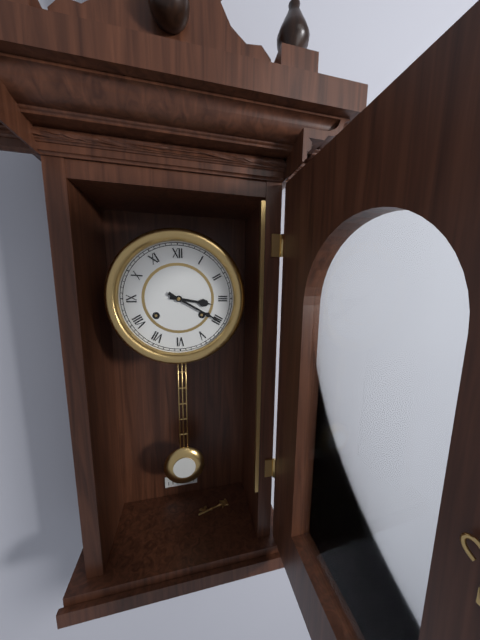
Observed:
3.20
